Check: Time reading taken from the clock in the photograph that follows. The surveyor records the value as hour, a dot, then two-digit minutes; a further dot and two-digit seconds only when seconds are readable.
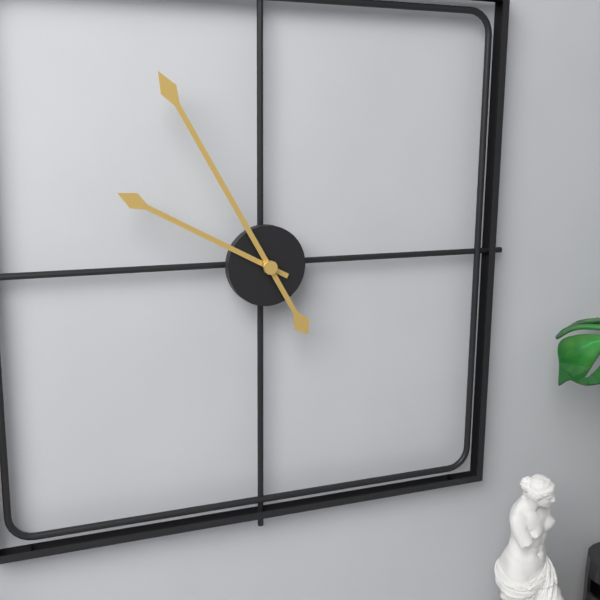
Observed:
9.55
